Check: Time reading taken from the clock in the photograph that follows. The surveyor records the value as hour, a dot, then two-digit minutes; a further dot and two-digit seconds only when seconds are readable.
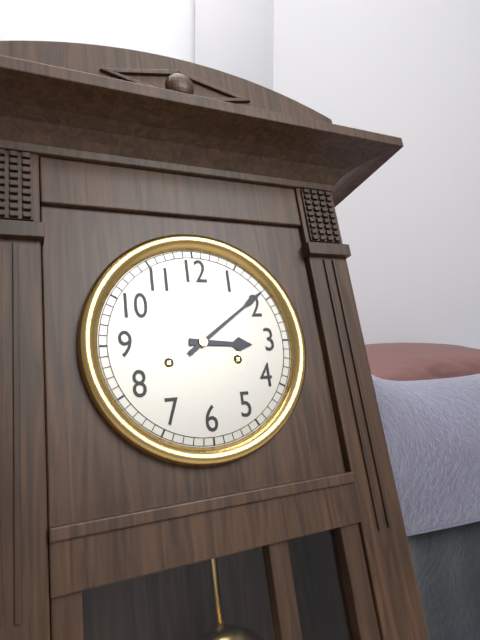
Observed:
3.09
